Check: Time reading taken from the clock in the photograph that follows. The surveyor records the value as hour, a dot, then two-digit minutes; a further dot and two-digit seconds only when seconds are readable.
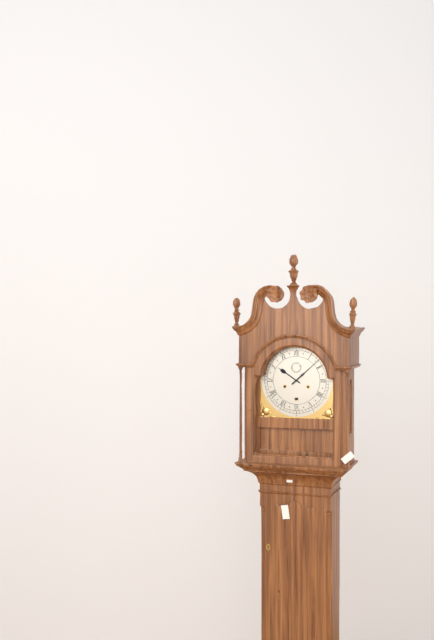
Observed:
10.08
